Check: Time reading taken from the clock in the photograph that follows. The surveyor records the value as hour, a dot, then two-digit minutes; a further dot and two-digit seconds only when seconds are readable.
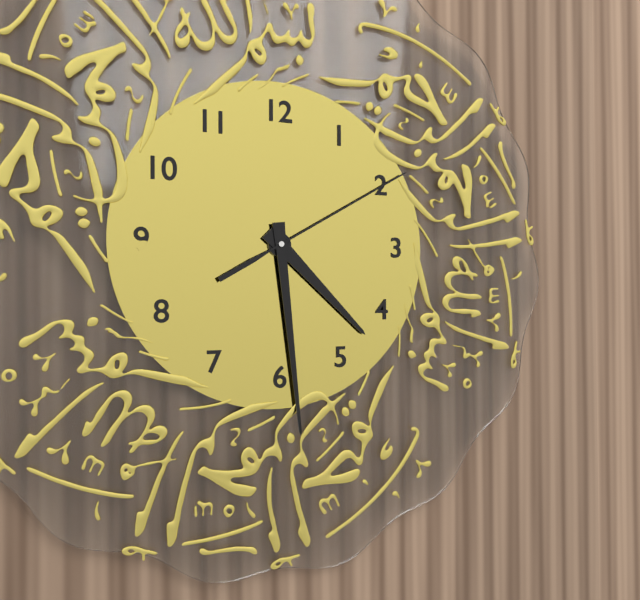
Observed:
4.29.10
